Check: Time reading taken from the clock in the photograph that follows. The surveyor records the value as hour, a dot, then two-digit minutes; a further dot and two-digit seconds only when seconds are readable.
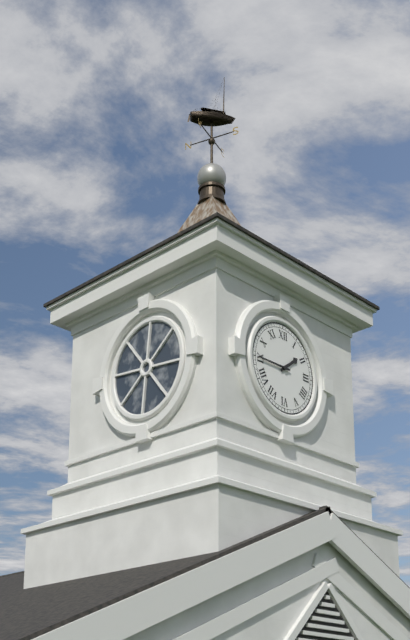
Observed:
1.45
